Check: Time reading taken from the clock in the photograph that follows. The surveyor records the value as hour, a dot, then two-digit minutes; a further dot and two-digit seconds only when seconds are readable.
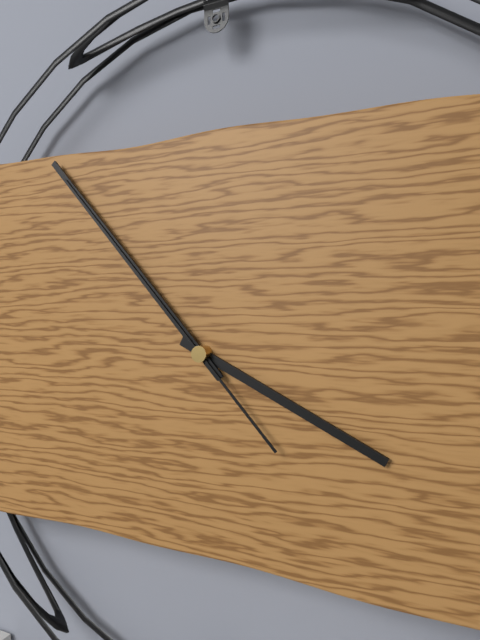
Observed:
3.53.53
